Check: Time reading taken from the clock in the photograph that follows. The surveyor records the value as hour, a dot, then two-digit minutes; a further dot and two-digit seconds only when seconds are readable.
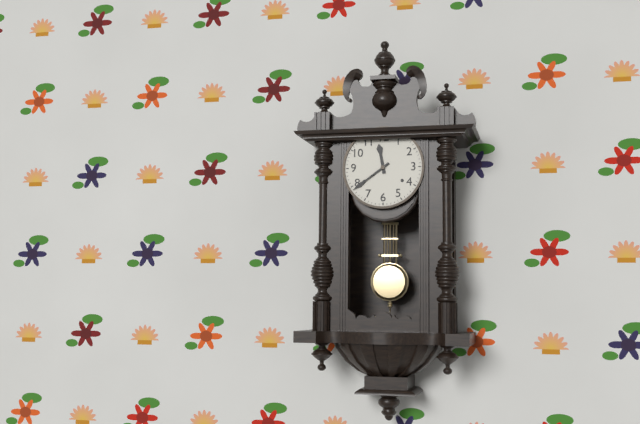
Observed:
11.39
